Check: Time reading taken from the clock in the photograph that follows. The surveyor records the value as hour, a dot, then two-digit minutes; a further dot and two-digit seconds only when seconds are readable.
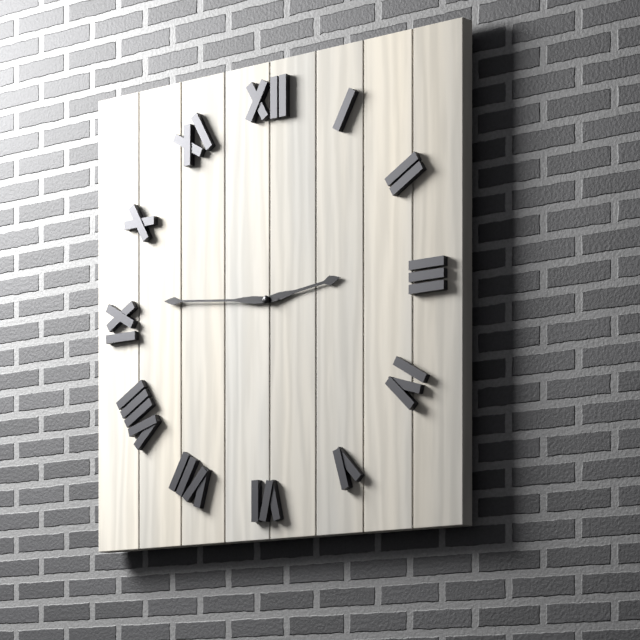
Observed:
2.46
